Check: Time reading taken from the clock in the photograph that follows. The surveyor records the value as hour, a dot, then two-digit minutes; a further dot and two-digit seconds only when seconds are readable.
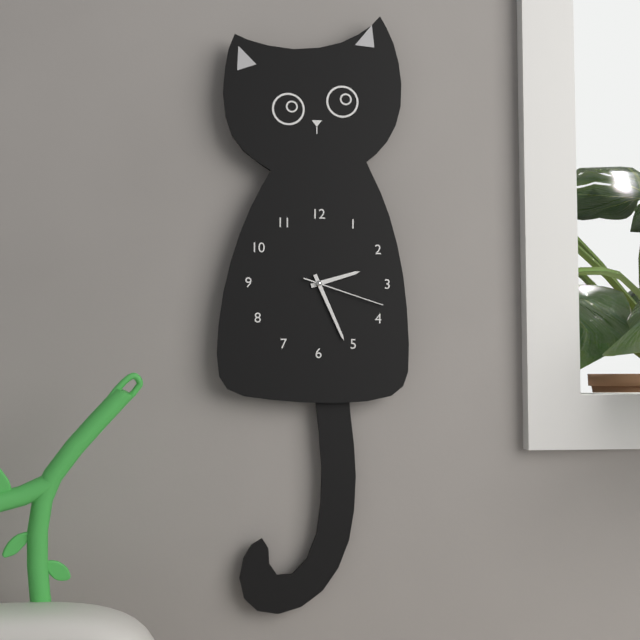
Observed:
2.26.18
